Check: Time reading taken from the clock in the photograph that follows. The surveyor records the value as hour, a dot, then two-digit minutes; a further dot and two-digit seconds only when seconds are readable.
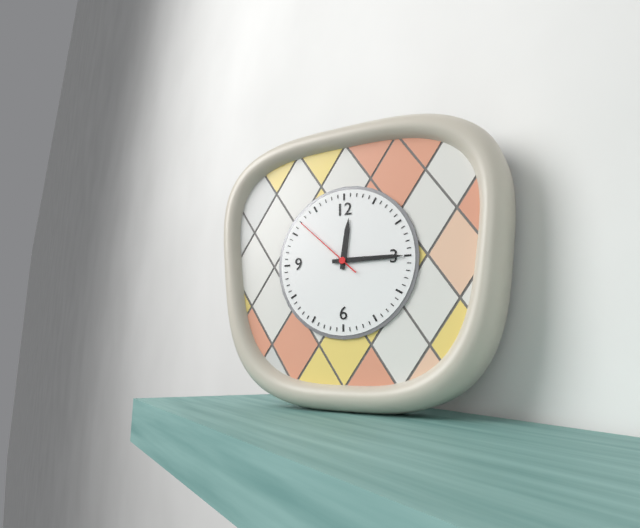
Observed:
12.15.52
